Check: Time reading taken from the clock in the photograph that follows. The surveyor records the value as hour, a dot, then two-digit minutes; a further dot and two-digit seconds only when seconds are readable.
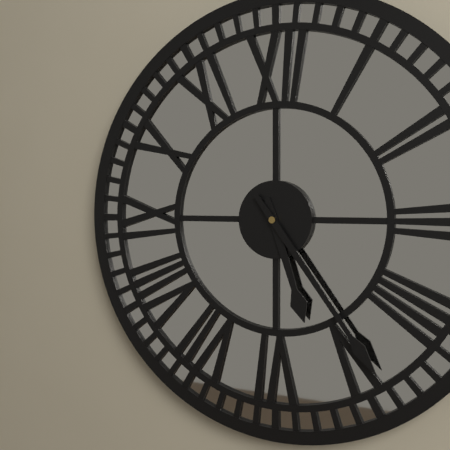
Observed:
5.24
